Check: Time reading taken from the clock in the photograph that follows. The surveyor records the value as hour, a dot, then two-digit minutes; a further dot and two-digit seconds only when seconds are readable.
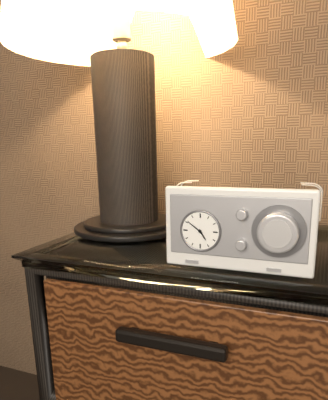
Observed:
4.51
